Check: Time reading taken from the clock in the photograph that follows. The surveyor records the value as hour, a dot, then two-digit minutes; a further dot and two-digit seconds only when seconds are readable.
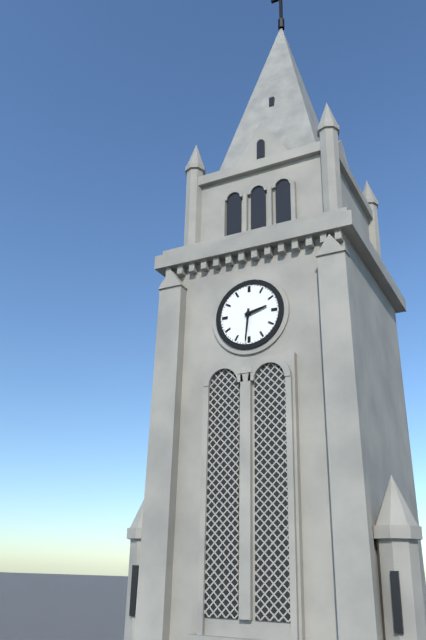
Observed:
2.31
